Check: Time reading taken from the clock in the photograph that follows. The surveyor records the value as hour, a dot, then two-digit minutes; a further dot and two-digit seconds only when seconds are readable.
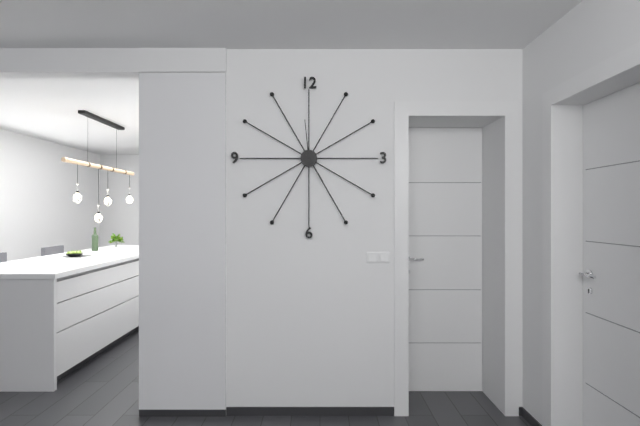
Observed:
4.59
